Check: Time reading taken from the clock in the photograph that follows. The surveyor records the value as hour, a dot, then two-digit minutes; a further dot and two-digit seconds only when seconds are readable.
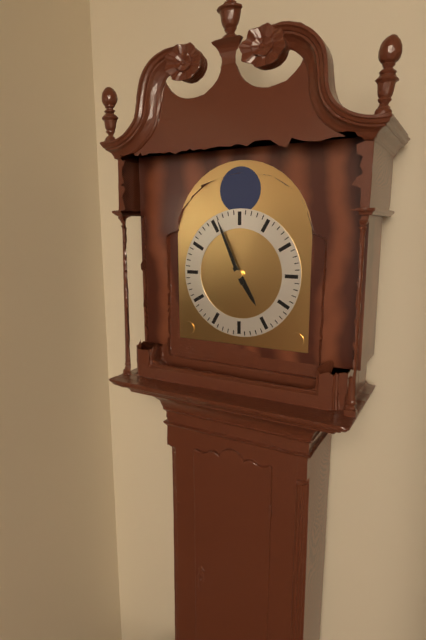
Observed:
4.56
